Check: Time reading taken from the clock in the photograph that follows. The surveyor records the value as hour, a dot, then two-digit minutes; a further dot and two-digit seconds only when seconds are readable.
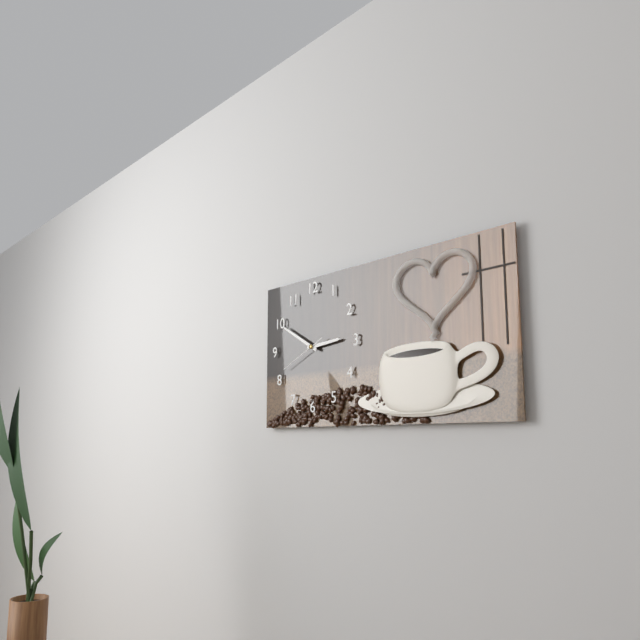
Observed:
2.50
